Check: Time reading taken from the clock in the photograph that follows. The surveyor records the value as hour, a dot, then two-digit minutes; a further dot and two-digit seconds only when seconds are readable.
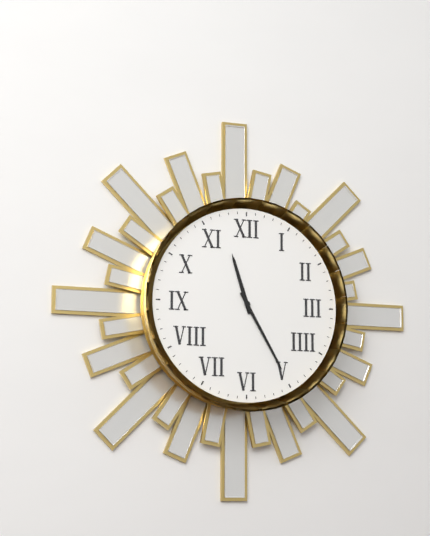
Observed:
11.25
